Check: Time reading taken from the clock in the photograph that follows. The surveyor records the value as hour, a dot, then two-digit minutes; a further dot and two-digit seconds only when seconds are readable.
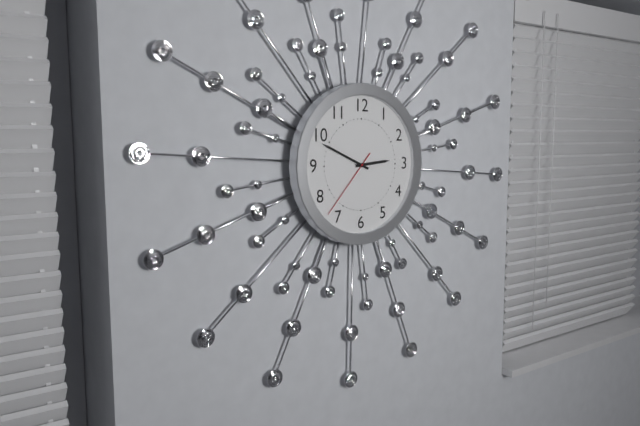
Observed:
2.49.37
